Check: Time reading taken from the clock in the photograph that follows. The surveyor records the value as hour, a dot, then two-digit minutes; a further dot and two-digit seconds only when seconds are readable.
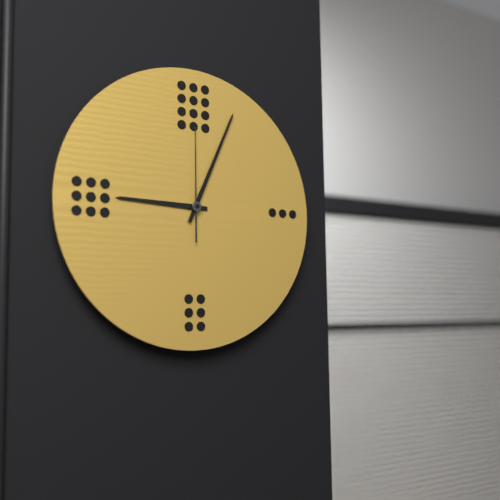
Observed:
9.04.00
